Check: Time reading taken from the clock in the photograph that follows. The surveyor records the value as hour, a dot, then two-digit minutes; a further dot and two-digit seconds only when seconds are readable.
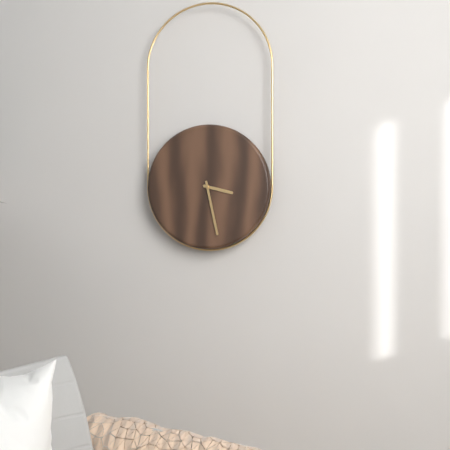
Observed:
3.28
